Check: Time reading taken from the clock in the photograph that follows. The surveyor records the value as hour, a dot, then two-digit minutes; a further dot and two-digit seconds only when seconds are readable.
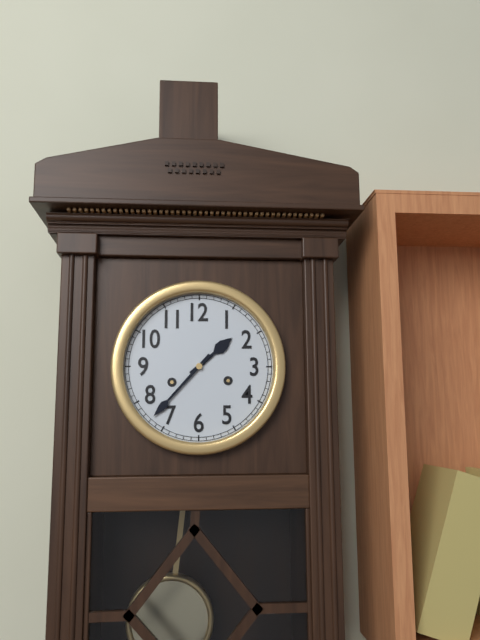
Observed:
1.37
